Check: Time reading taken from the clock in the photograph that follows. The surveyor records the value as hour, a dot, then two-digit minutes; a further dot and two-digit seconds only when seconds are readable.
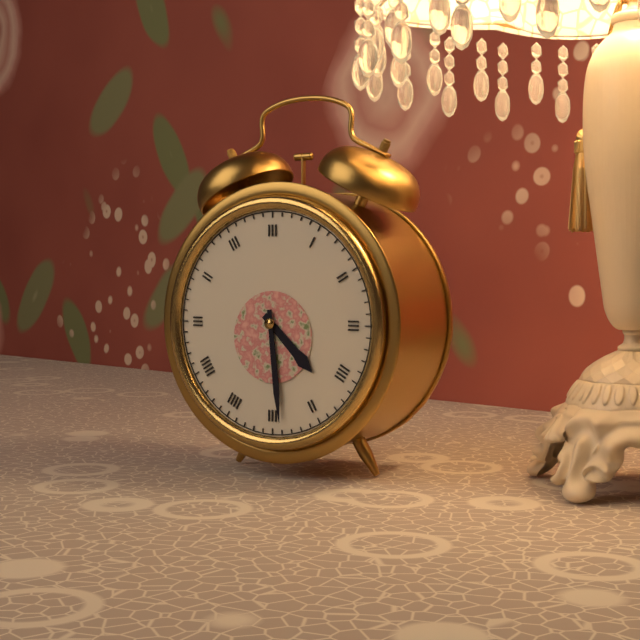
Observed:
4.29
